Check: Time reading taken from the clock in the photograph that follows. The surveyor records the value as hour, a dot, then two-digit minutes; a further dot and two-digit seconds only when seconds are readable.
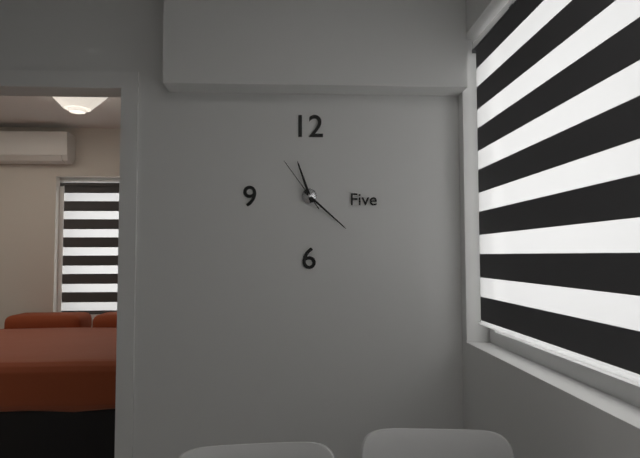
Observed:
11.22.54
